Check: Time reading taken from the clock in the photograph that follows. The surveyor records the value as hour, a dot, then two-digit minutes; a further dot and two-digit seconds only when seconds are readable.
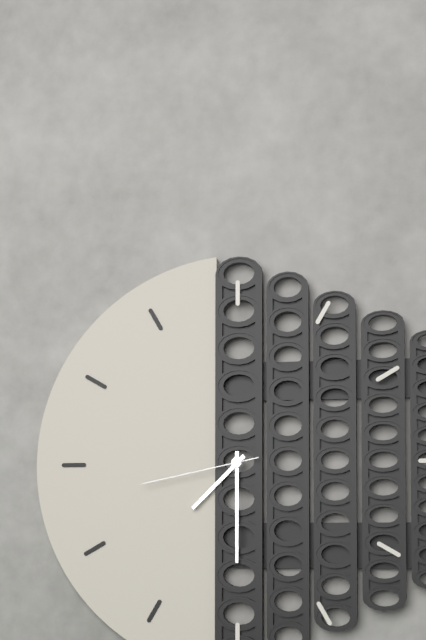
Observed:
7.30.43
